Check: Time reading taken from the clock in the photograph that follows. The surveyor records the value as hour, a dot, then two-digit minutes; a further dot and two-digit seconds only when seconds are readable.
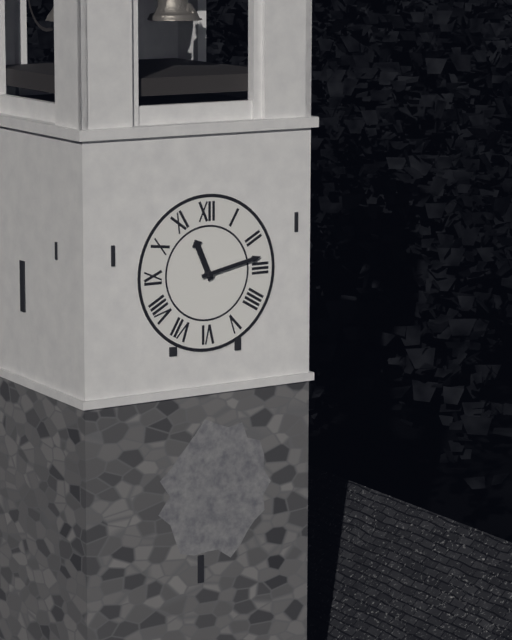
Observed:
11.13
